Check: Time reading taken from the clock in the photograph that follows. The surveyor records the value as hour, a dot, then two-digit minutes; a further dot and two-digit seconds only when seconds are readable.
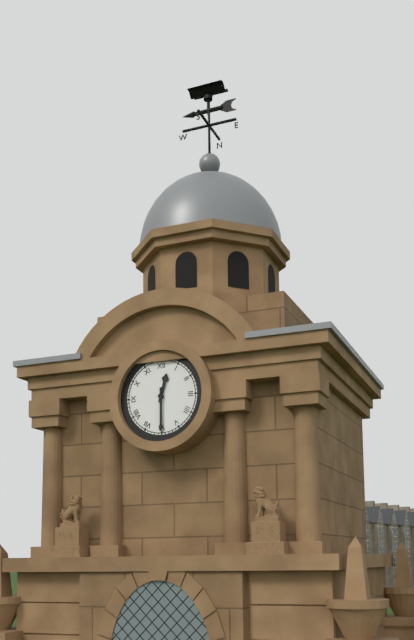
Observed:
12.30
